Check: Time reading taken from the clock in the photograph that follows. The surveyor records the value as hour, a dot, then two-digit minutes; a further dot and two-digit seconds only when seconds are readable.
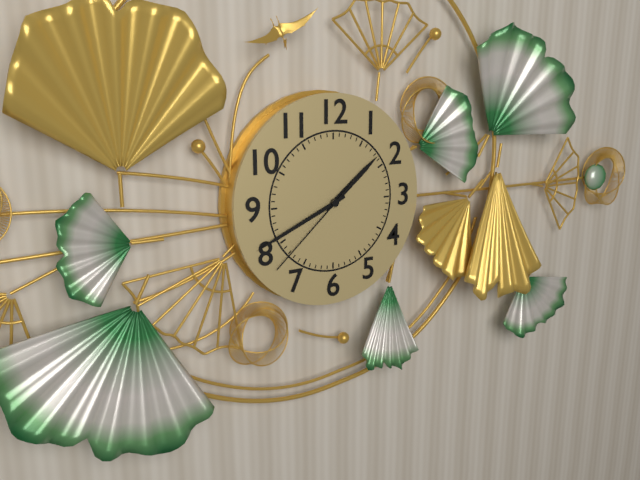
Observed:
1.41.38
